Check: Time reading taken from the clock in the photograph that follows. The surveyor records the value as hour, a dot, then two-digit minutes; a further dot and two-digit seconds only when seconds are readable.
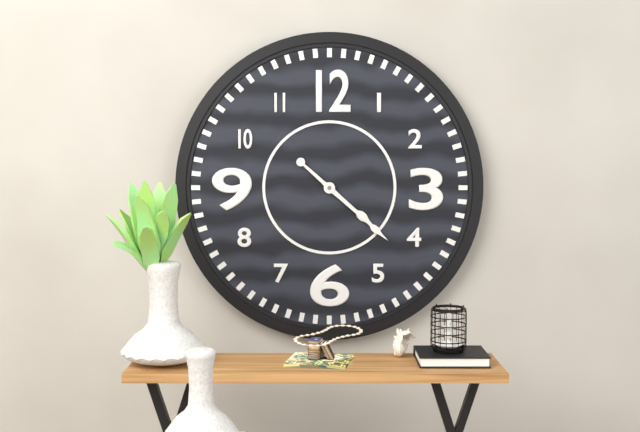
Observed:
4.22
